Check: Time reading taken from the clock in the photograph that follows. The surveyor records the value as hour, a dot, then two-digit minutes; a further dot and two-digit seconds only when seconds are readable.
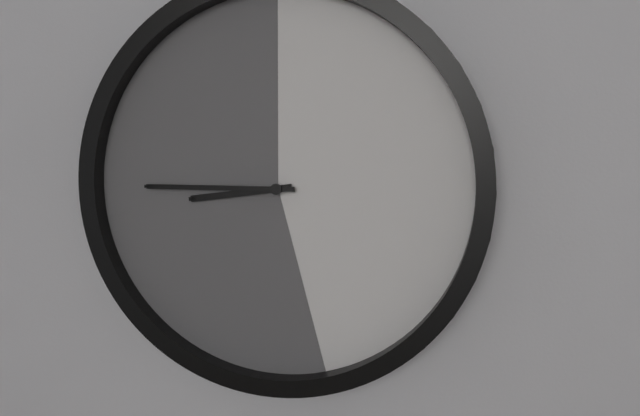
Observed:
8.45
